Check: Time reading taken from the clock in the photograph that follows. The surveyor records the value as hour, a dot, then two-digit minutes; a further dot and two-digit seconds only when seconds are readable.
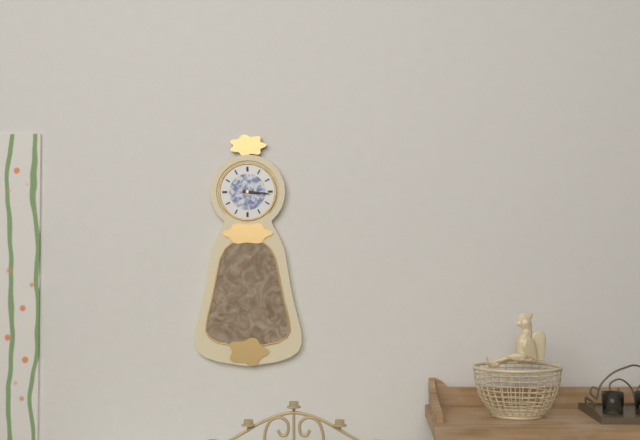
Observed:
3.16
